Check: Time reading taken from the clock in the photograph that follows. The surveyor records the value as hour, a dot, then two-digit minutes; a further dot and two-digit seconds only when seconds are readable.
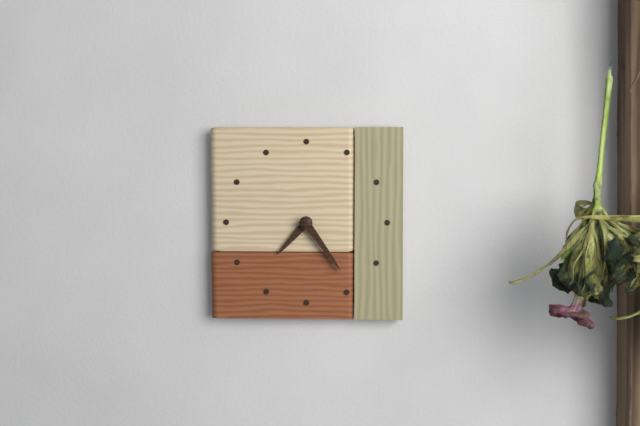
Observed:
7.24
